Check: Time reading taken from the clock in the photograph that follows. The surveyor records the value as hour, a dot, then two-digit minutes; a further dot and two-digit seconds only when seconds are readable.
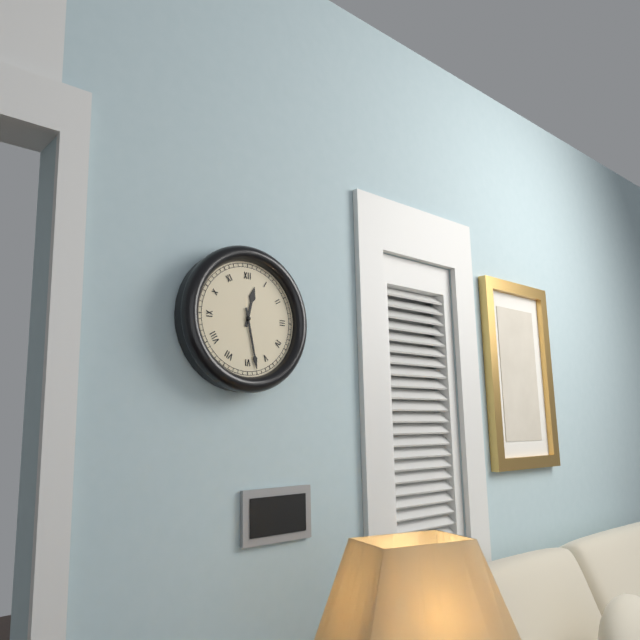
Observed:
12.28
